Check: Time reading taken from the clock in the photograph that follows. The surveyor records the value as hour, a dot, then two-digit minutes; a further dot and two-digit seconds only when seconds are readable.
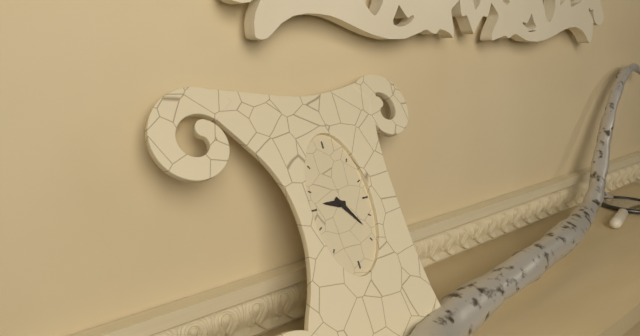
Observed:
9.24
